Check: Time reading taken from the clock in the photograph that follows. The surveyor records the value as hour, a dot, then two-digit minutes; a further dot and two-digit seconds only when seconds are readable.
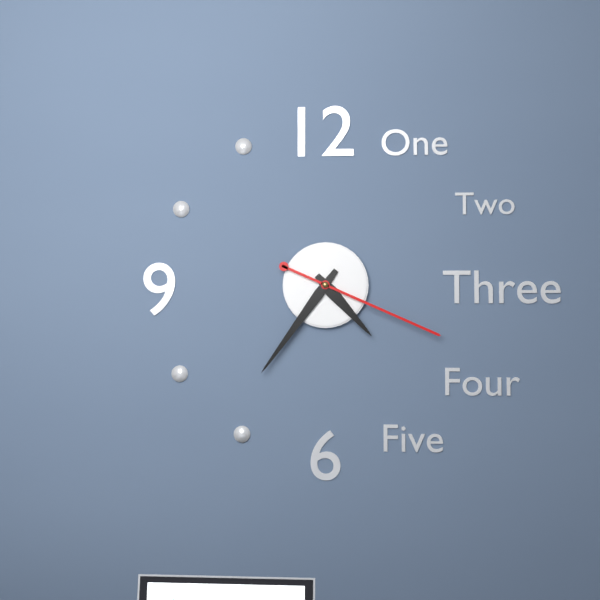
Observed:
4.36.19
